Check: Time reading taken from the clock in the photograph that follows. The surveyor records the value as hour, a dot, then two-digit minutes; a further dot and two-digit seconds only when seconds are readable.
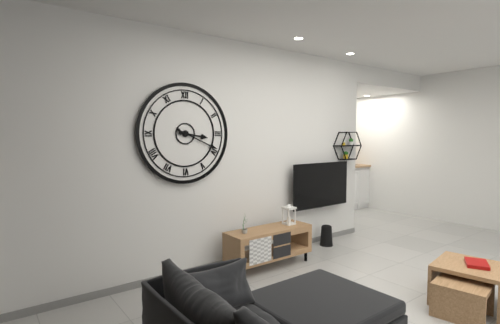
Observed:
3.19
